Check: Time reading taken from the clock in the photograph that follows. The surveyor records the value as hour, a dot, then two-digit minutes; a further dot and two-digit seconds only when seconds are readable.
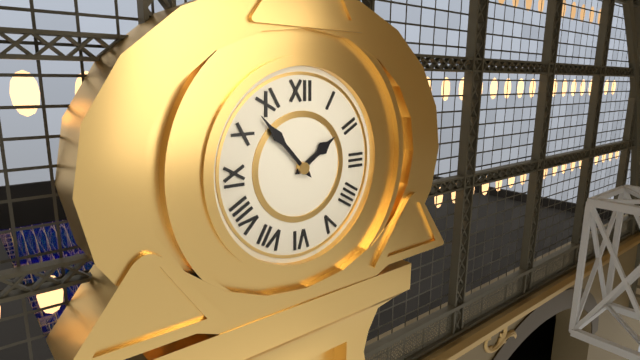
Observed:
1.53
